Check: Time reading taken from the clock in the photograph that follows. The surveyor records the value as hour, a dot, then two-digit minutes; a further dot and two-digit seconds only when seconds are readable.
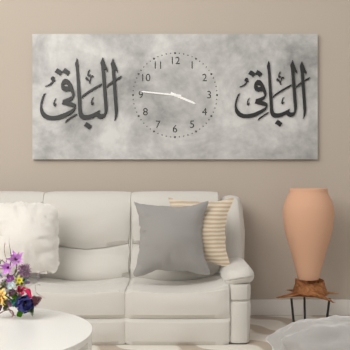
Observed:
3.46
